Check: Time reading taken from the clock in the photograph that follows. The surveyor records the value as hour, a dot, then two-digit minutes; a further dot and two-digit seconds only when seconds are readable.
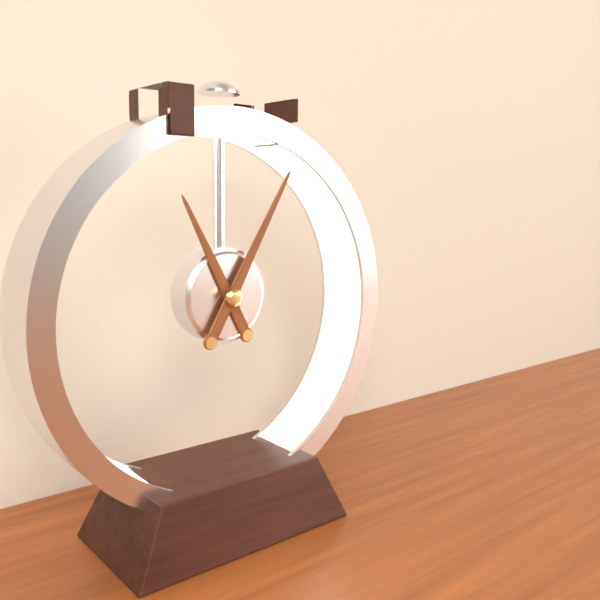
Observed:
11.05
